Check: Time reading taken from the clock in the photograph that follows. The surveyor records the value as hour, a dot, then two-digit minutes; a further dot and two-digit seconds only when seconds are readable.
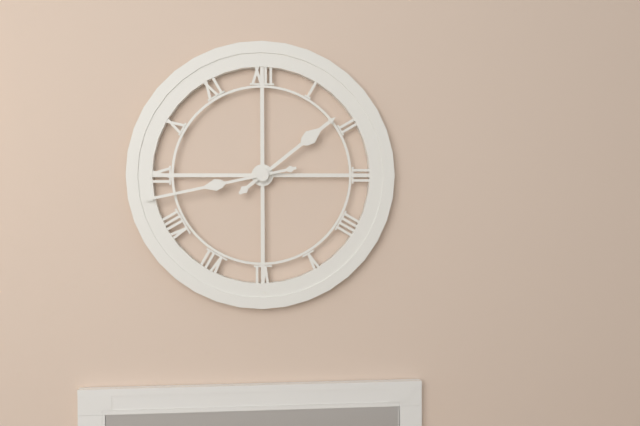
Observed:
1.43
